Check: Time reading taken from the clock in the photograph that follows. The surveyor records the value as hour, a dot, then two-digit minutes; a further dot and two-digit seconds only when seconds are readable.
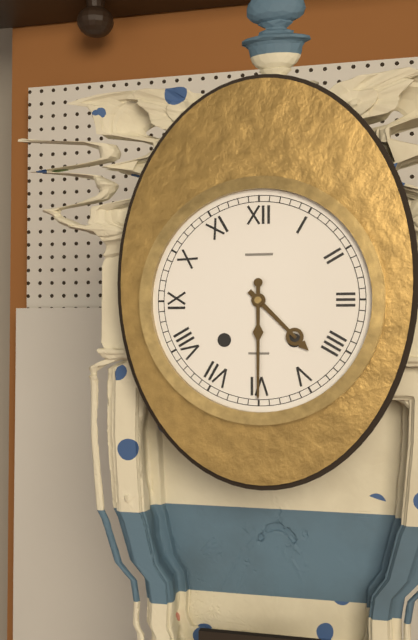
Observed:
4.30
